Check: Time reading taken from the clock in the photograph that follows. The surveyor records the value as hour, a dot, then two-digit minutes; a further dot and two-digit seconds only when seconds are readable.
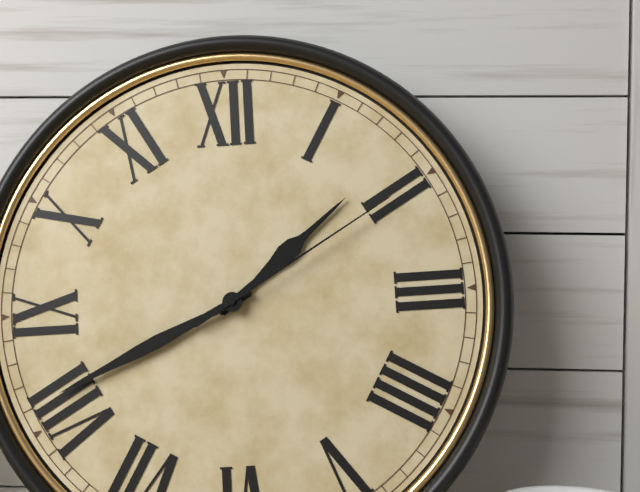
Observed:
1.41.10
